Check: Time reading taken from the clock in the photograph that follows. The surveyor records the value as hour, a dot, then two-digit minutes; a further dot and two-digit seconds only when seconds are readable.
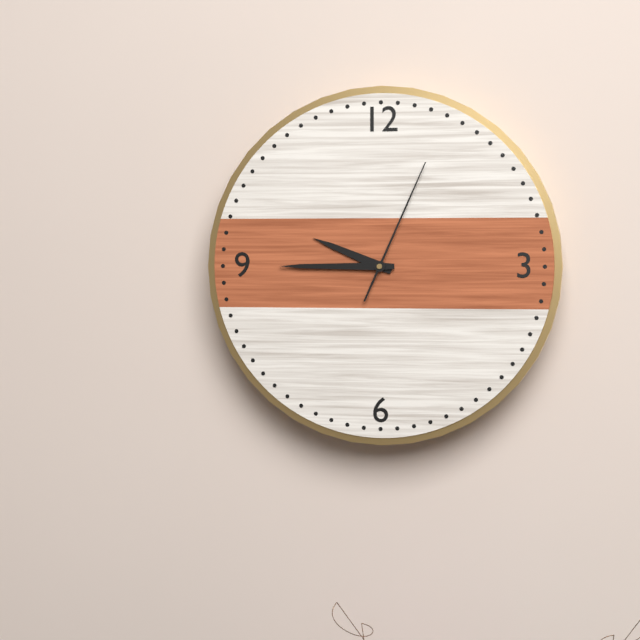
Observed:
9.45.04
